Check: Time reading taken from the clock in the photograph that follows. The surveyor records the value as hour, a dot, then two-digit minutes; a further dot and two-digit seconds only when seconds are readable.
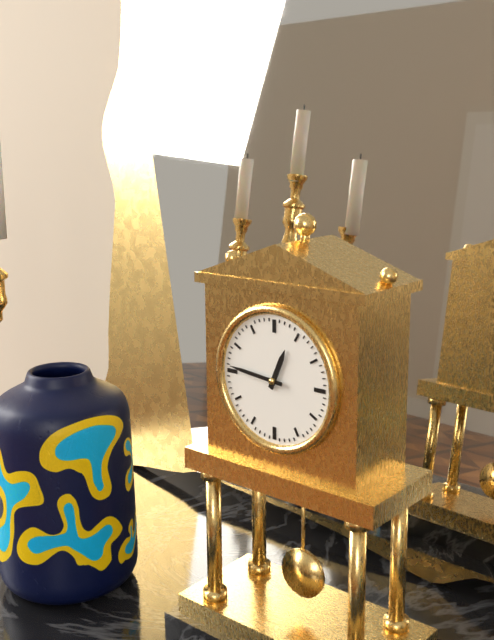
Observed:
12.46
